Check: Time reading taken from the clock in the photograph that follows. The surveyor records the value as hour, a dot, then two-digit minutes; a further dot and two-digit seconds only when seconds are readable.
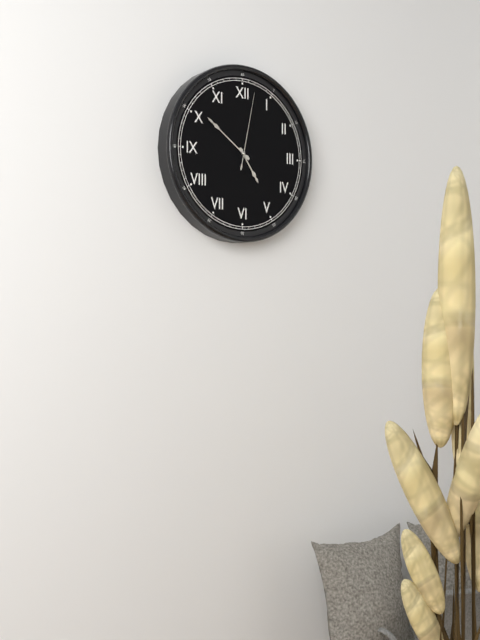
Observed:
4.51.02
